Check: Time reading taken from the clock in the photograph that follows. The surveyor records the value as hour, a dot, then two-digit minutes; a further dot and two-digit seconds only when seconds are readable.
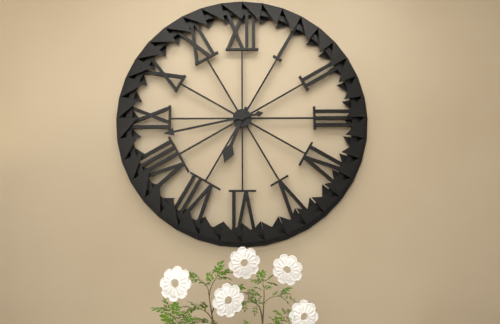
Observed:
6.43
